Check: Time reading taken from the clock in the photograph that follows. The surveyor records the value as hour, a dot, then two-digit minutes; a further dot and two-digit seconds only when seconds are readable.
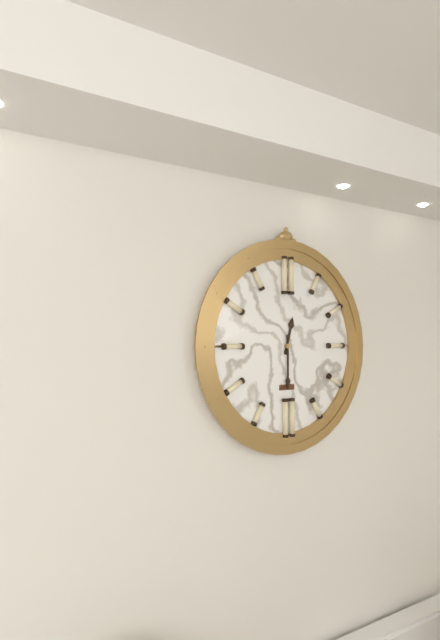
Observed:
12.30
